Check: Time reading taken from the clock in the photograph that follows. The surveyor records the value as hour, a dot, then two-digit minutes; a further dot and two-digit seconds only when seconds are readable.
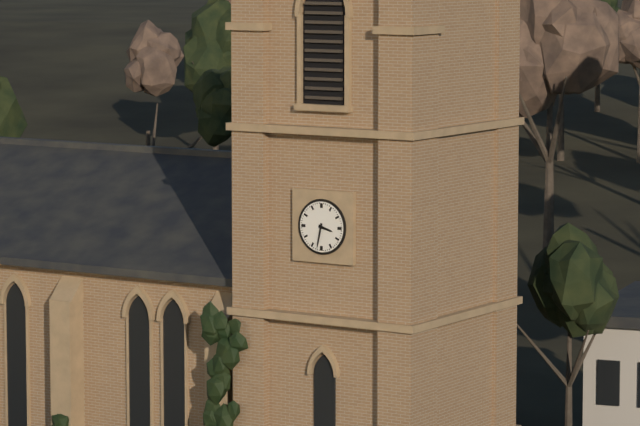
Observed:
3.32
